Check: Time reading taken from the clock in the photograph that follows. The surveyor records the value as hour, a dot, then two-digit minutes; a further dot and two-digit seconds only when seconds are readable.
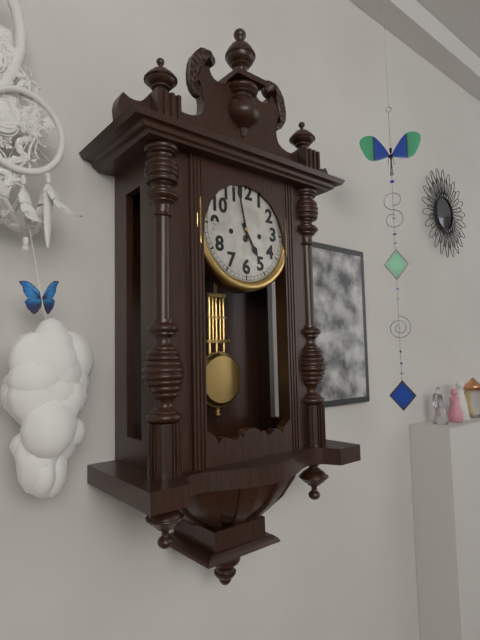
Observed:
4.58
